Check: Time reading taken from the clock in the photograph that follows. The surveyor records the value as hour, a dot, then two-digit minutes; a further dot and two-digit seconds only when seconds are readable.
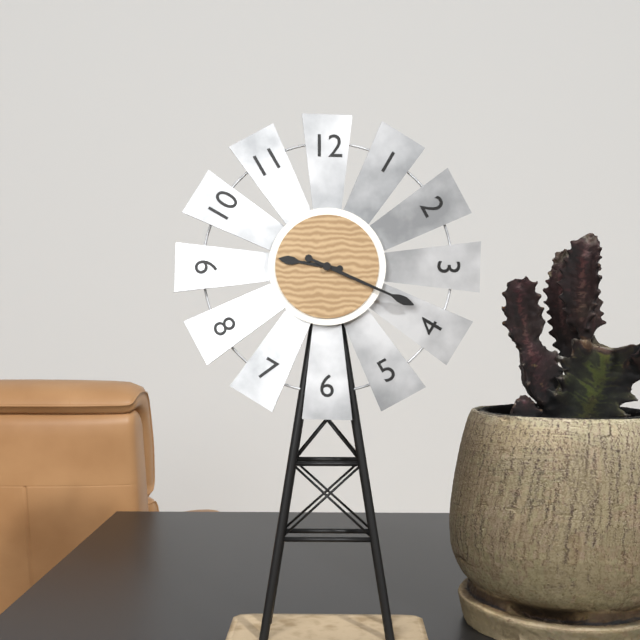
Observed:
9.19
